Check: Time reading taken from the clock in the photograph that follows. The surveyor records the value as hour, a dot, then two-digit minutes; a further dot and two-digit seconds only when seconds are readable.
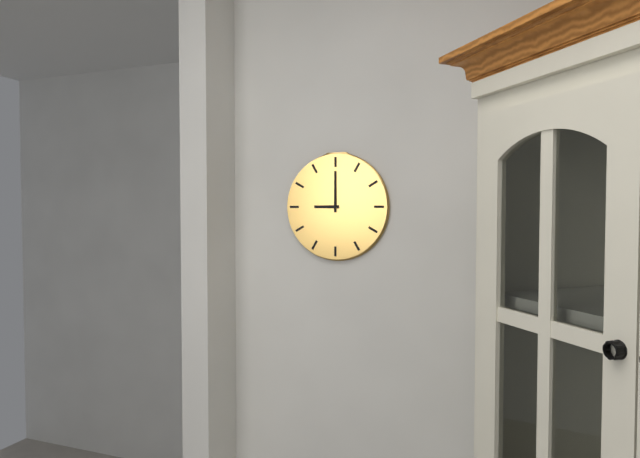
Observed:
9.00
